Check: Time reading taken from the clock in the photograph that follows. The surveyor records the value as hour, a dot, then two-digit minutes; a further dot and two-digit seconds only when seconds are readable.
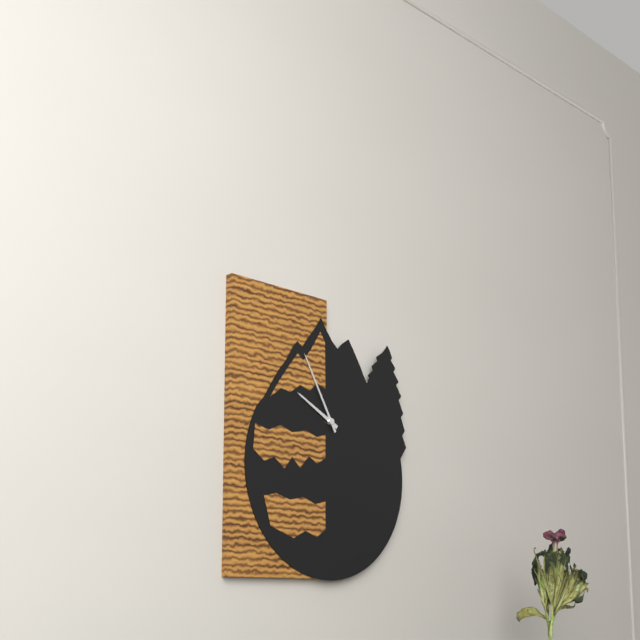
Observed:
9.55
